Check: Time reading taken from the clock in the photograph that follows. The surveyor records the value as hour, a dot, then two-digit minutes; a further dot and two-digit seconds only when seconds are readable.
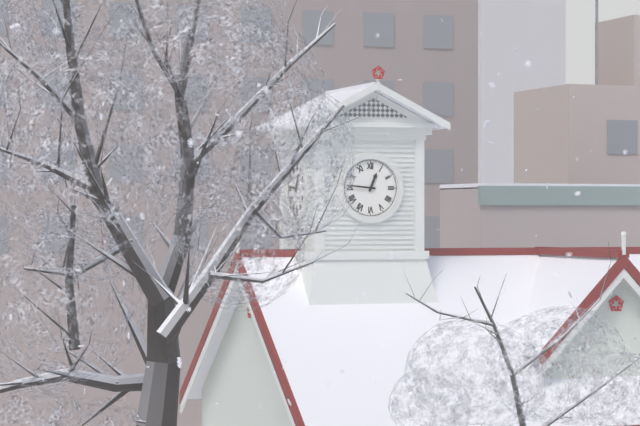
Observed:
12.46
